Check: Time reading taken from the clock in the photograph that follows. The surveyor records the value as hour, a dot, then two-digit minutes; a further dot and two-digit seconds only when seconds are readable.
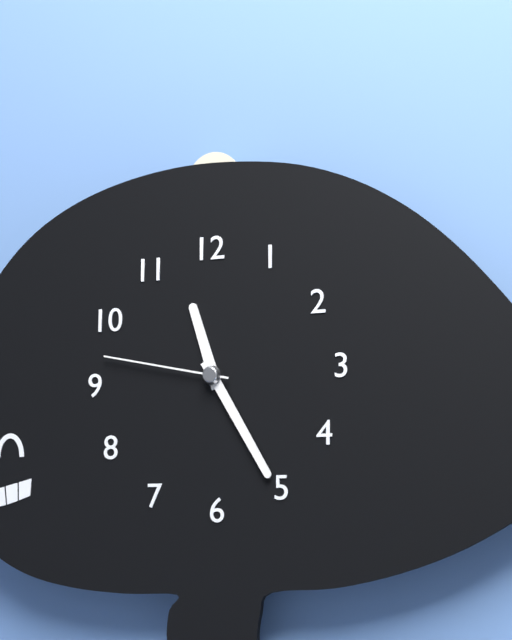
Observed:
11.25.47
